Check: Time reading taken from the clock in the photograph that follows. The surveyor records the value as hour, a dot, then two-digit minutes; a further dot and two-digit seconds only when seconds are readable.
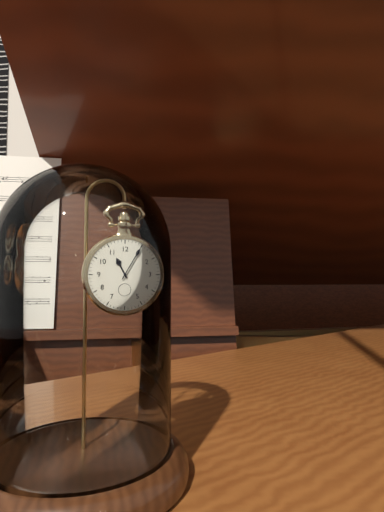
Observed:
11.05
